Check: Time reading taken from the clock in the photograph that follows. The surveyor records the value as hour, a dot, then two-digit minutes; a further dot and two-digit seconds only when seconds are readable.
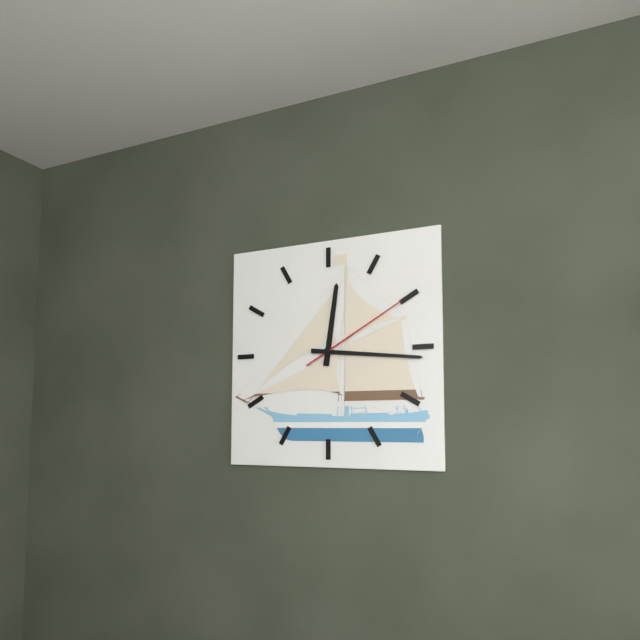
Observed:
12.16.10
